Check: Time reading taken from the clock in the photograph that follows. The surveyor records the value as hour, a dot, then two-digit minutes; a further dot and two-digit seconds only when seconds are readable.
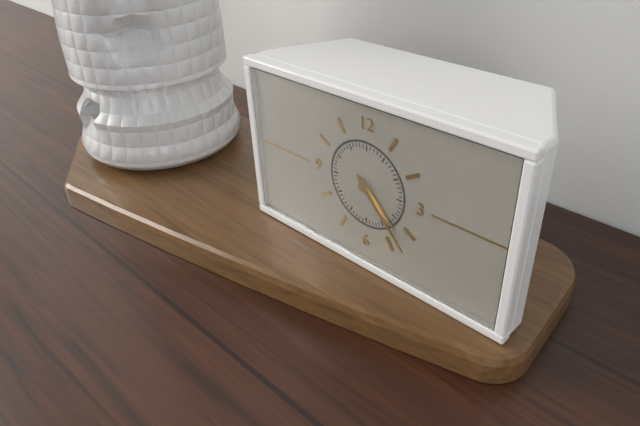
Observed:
4.23
